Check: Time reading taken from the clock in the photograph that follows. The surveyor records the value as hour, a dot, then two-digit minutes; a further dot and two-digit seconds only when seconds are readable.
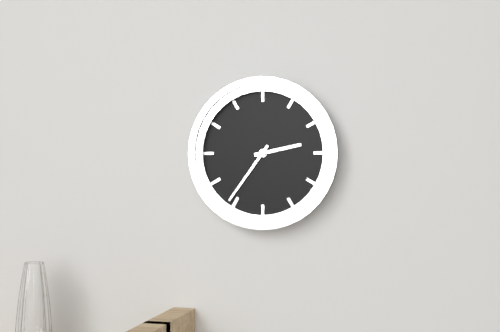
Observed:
2.36
